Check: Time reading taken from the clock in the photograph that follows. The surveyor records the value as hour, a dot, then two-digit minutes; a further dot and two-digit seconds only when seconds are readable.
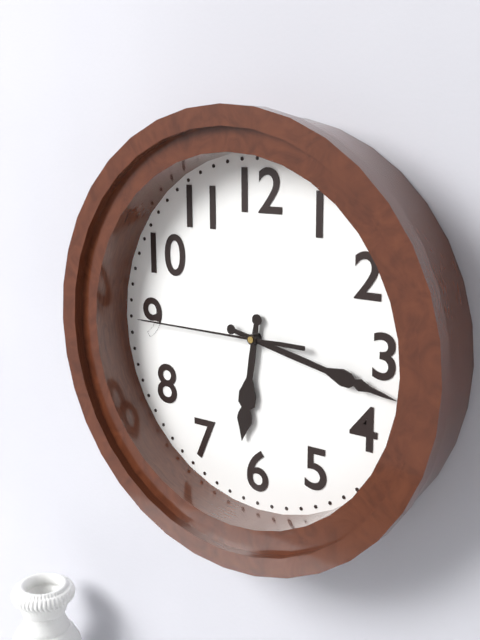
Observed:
6.17.45
